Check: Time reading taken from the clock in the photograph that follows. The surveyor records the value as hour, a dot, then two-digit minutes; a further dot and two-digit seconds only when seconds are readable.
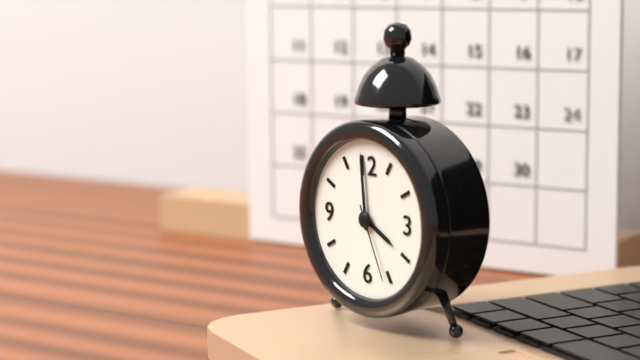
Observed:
3.59.26
